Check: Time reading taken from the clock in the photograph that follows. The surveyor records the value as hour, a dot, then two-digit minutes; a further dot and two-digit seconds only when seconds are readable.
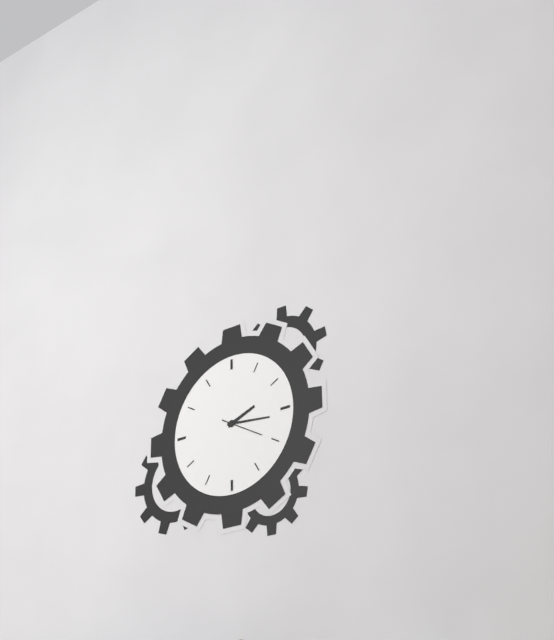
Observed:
2.16
